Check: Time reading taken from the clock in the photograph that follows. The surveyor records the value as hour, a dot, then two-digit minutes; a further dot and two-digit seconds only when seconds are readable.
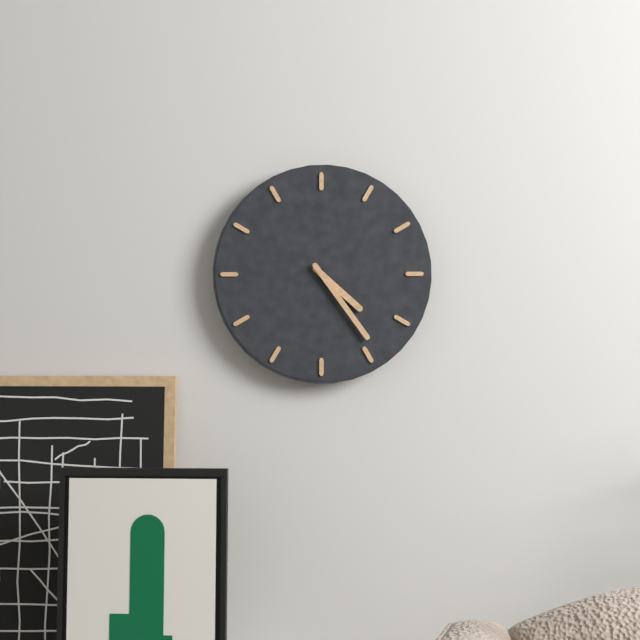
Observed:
4.24
